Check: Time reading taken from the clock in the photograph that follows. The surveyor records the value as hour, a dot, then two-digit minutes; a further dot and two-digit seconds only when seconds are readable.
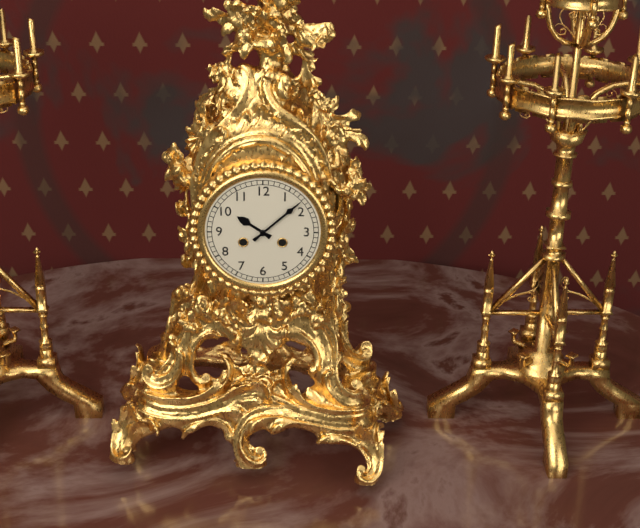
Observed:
10.08
